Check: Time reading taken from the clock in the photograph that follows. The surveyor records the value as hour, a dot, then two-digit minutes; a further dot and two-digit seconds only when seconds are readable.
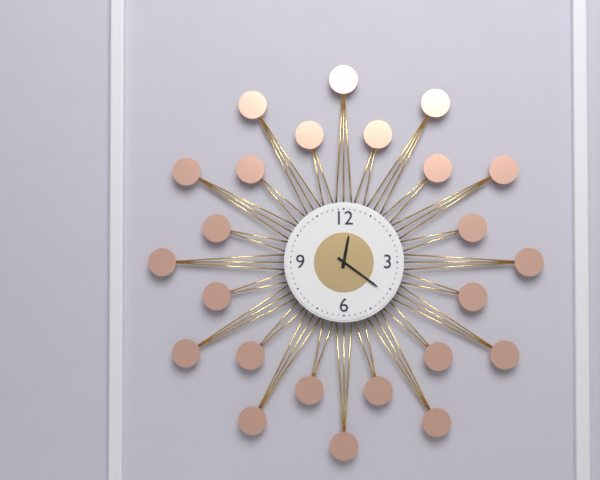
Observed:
12.21
